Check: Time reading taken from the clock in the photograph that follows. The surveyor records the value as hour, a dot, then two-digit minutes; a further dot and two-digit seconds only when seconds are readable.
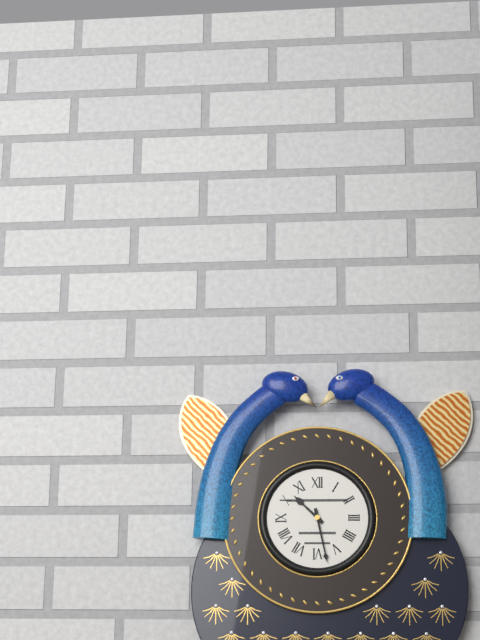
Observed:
10.28
